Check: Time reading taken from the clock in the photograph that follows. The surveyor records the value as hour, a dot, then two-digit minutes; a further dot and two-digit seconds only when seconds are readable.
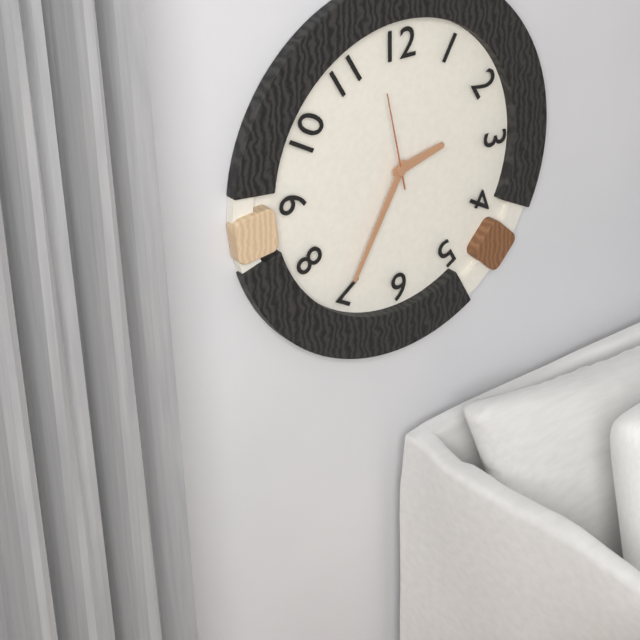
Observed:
2.35.58
